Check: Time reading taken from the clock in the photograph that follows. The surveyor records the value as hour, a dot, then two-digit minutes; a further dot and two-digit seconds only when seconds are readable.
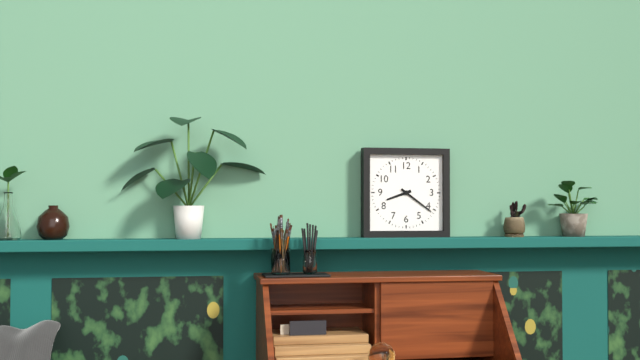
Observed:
8.21
